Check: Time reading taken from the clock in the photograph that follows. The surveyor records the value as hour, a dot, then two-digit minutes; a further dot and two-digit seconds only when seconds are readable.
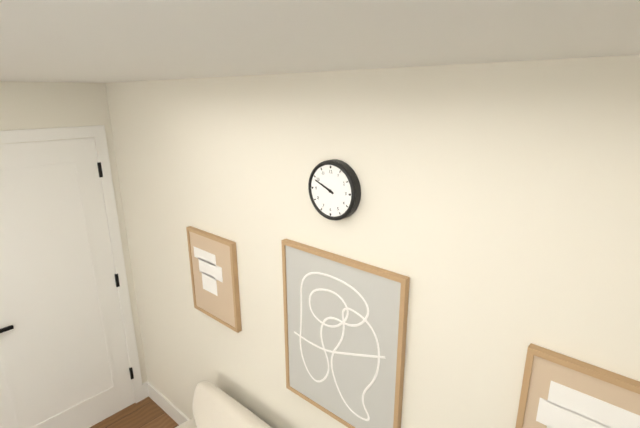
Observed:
9.49
